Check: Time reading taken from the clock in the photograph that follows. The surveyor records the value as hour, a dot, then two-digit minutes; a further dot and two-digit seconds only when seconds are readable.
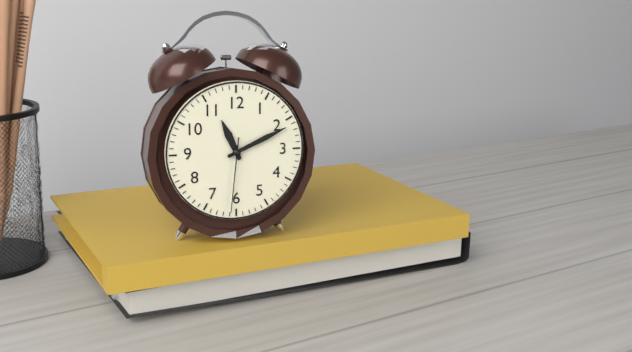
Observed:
11.11.31
